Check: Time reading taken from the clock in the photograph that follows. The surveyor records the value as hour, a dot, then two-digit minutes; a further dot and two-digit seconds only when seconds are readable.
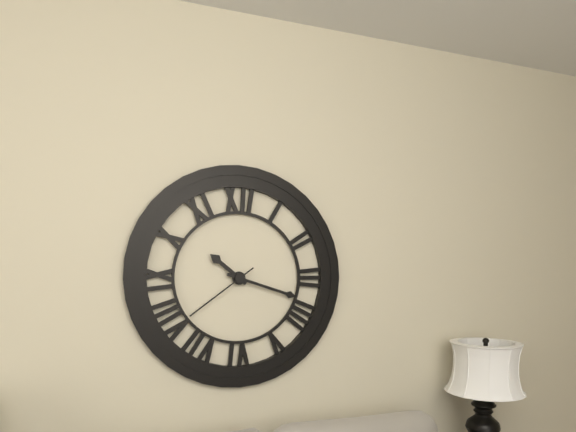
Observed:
10.18.39
